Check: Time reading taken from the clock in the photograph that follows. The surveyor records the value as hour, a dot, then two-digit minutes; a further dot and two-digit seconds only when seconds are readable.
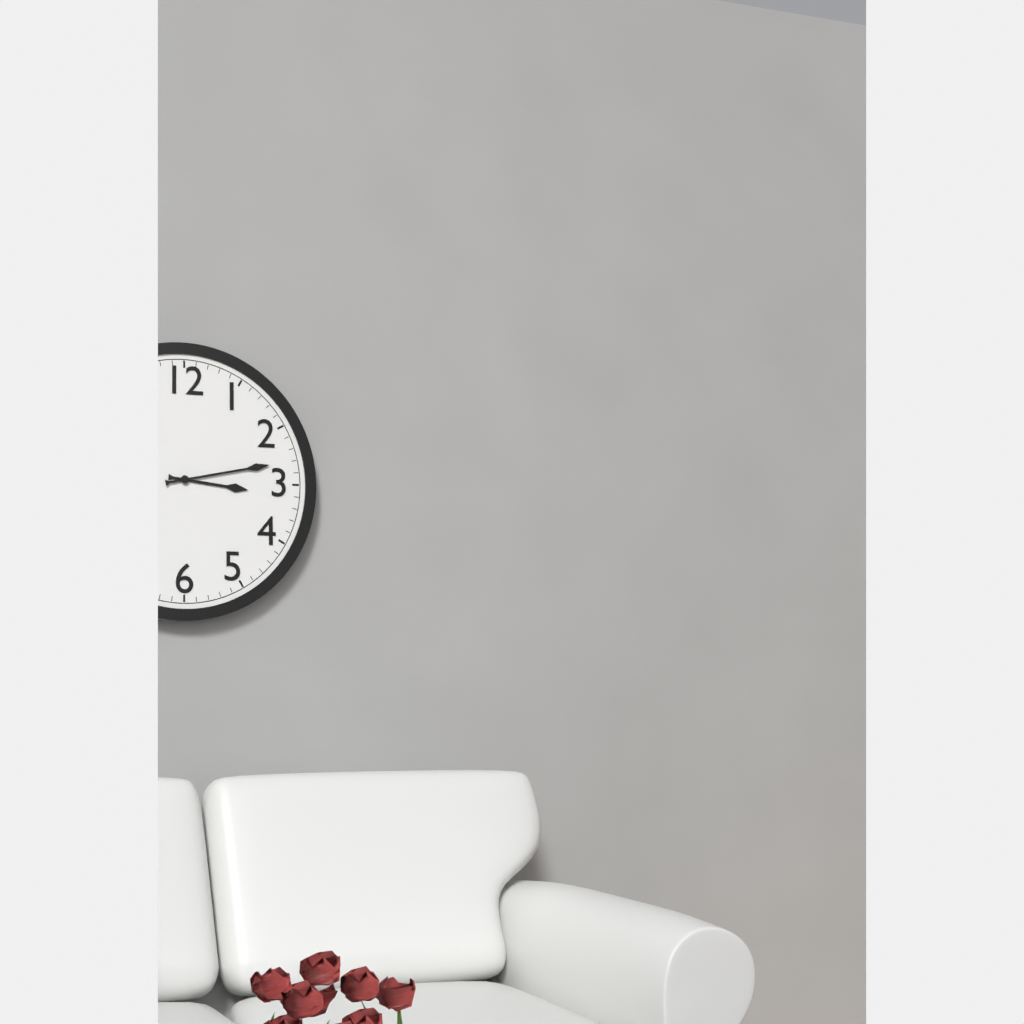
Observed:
3.13
